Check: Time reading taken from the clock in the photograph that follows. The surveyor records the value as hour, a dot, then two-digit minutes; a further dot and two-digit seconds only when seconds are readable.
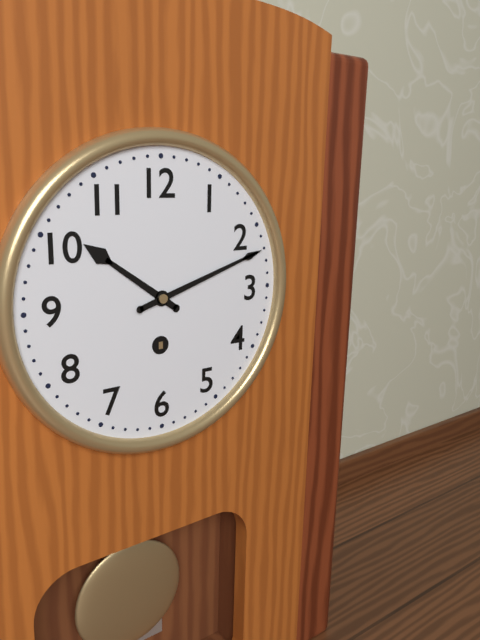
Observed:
10.12
